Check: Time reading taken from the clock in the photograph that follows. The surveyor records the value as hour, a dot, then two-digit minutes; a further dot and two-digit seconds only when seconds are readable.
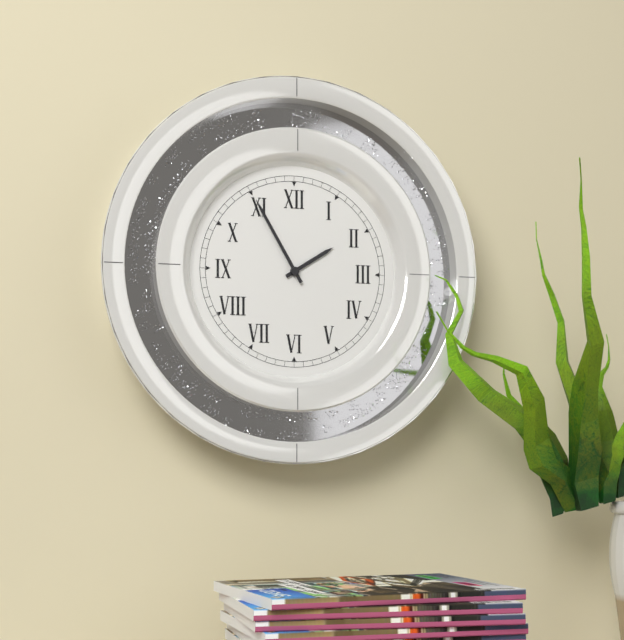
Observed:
1.55
